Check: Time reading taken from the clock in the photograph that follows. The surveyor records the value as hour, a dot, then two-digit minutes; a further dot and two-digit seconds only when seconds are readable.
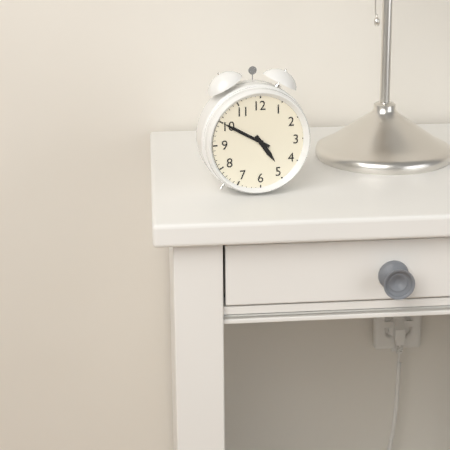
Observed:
4.50
